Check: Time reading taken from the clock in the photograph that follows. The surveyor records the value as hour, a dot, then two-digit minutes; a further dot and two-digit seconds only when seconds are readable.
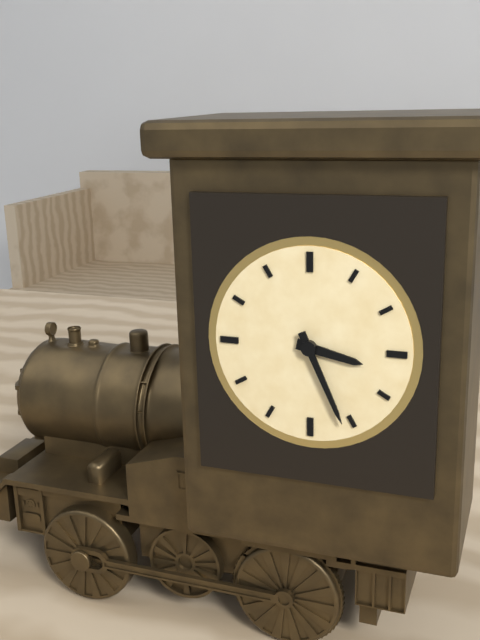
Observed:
3.26
